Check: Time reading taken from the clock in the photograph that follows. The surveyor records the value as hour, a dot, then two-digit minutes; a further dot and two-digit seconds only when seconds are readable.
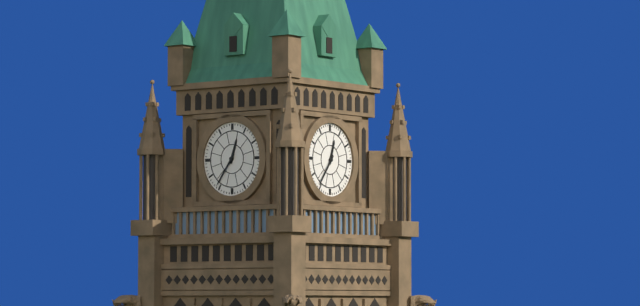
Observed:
12.36
